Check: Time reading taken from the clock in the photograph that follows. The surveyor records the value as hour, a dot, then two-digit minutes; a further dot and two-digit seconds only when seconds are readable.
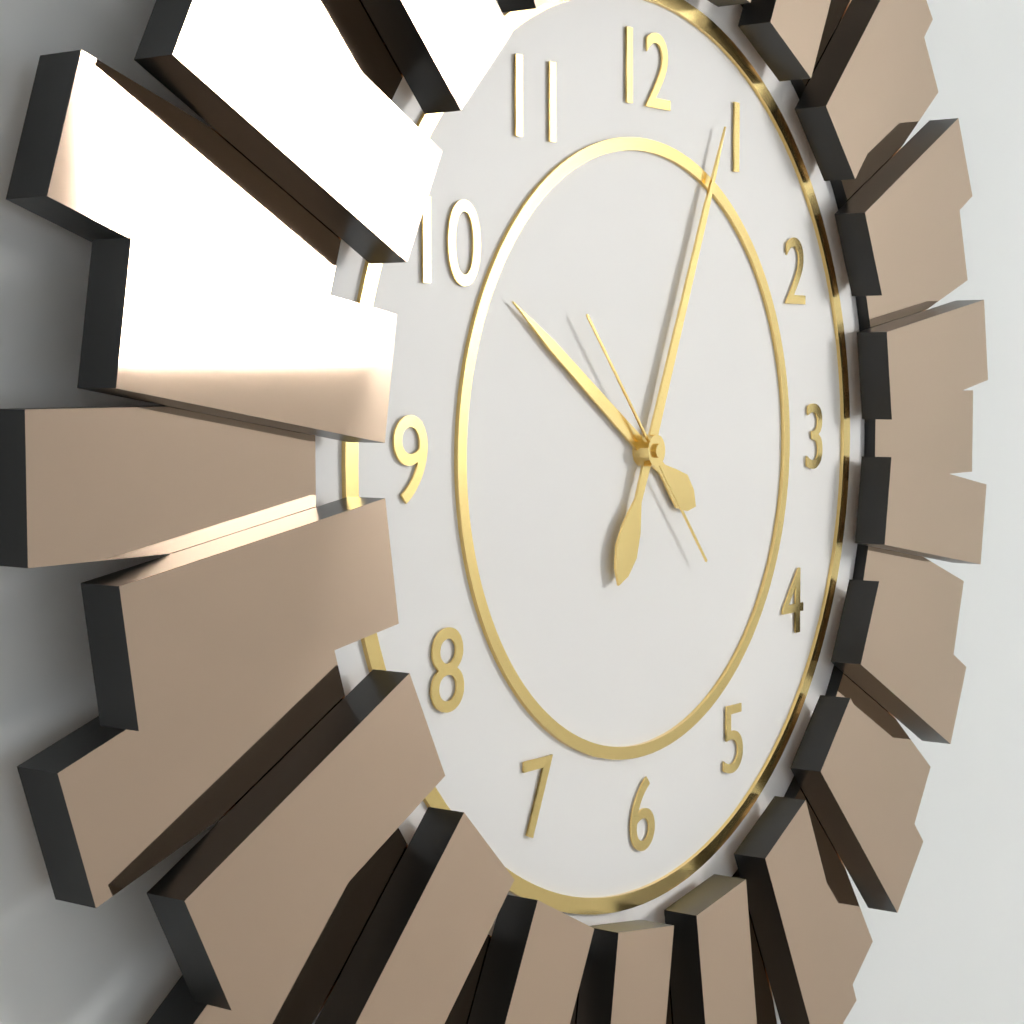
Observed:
10.04.53
